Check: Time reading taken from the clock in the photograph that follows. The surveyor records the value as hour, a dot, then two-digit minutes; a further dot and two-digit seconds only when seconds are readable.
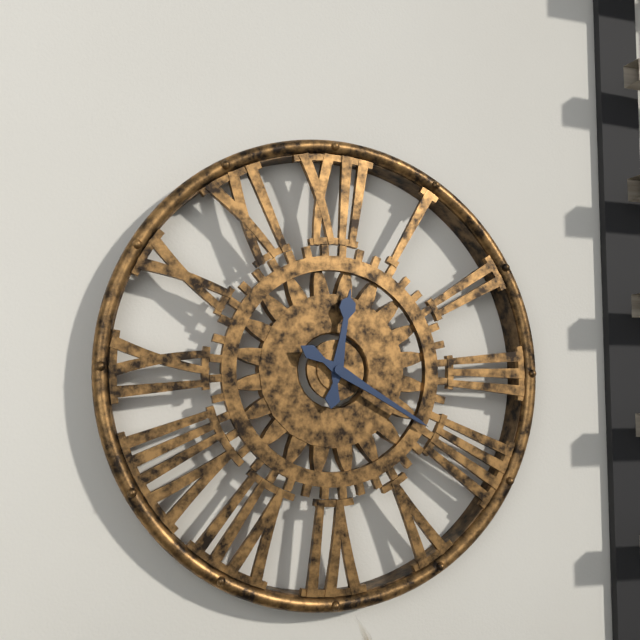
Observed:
12.20
